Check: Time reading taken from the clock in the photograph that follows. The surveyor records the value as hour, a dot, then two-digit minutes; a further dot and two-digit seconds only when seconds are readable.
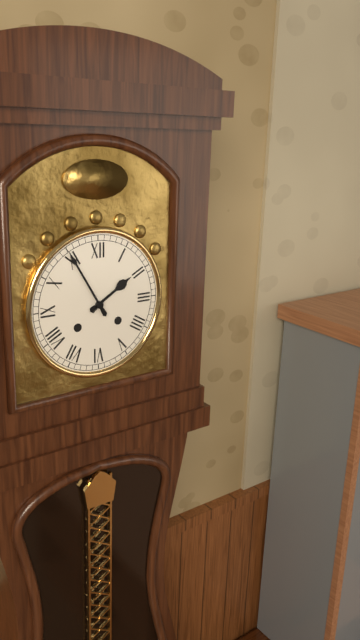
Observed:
1.55
